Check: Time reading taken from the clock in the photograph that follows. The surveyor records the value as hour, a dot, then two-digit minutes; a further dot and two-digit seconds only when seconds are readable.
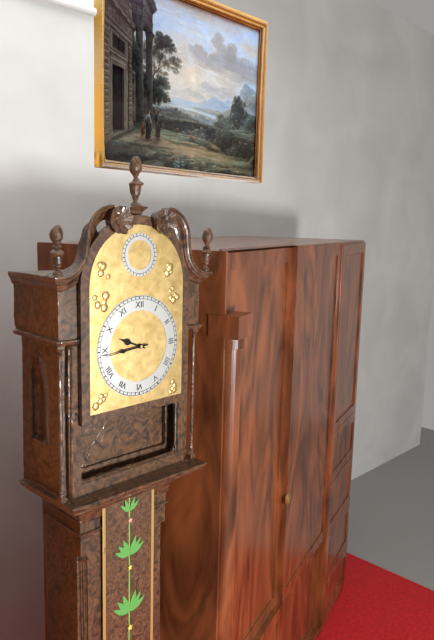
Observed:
9.44
